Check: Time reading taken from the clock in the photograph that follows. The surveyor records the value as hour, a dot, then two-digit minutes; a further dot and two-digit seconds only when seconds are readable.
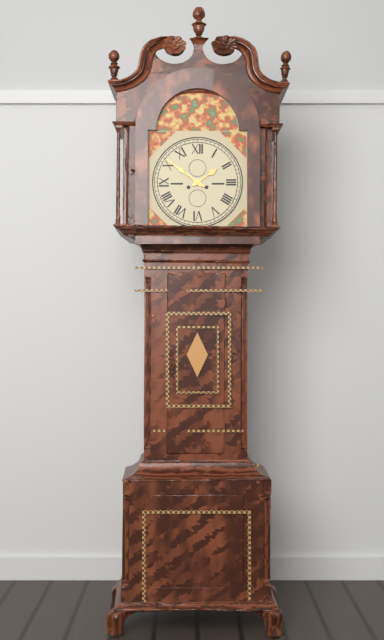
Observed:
1.51
